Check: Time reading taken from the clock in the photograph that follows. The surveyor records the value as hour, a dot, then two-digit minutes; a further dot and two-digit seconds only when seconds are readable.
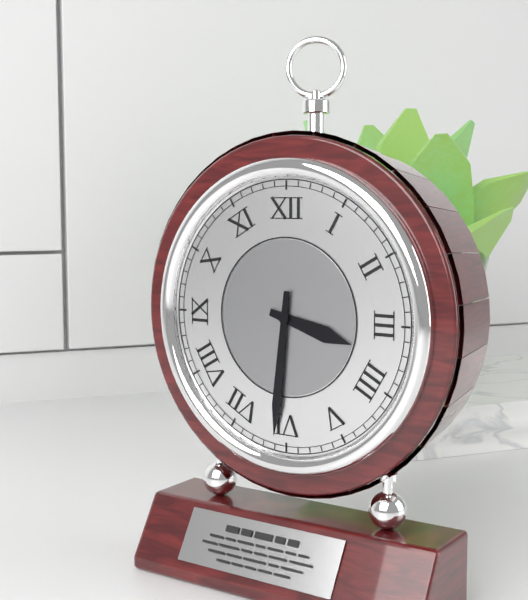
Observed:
3.31
